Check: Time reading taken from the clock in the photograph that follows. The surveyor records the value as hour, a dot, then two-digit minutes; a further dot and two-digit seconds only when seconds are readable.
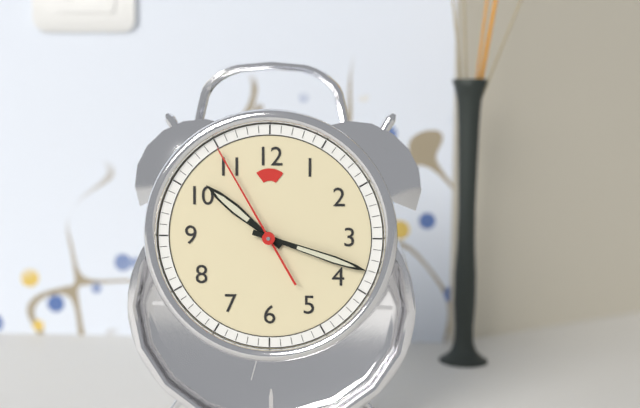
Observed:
10.18.55
